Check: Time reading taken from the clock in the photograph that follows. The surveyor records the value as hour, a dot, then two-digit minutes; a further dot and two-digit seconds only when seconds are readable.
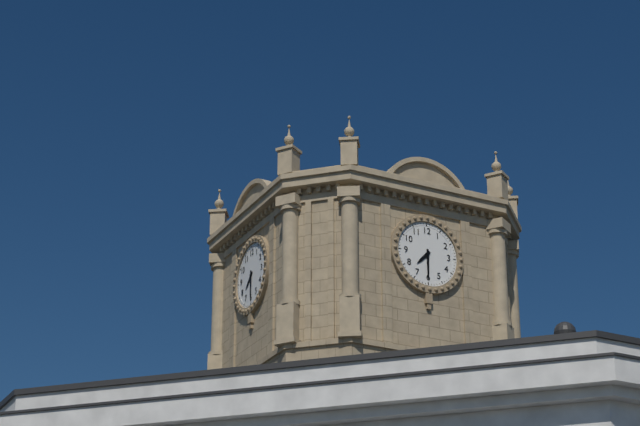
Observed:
7.30
